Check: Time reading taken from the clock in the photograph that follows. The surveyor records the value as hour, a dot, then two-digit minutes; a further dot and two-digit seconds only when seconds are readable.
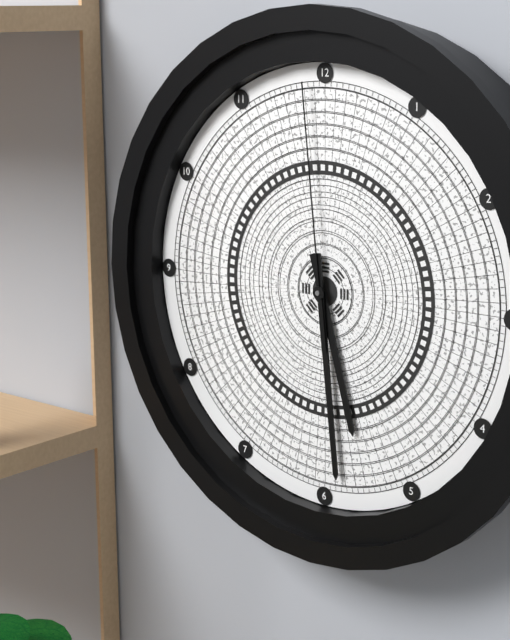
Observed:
5.29.59
